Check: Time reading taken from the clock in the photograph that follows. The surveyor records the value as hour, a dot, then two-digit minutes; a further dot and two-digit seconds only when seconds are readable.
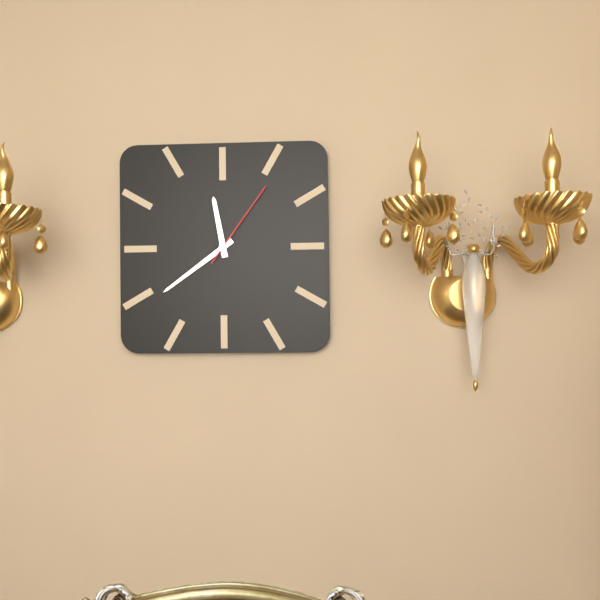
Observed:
11.39.06
